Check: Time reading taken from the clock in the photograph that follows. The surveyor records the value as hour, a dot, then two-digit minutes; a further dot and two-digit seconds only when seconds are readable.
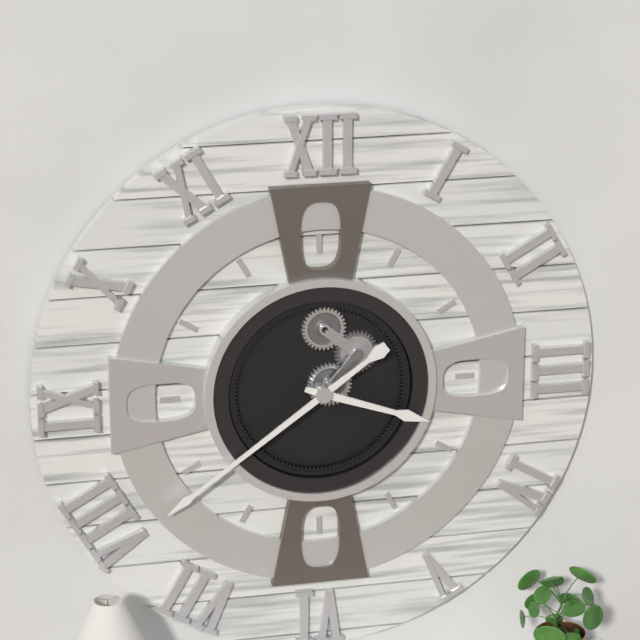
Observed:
3.39
